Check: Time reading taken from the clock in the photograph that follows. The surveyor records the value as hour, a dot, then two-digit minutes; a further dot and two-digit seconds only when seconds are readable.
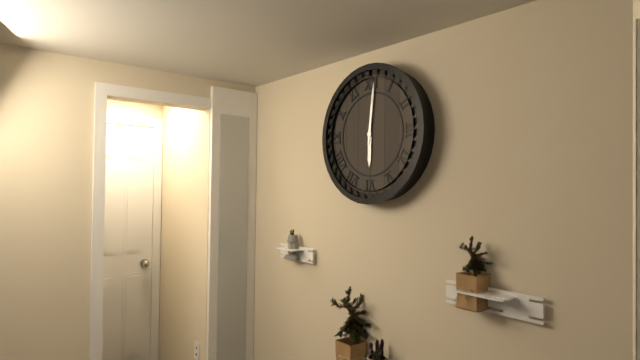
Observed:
6.01
